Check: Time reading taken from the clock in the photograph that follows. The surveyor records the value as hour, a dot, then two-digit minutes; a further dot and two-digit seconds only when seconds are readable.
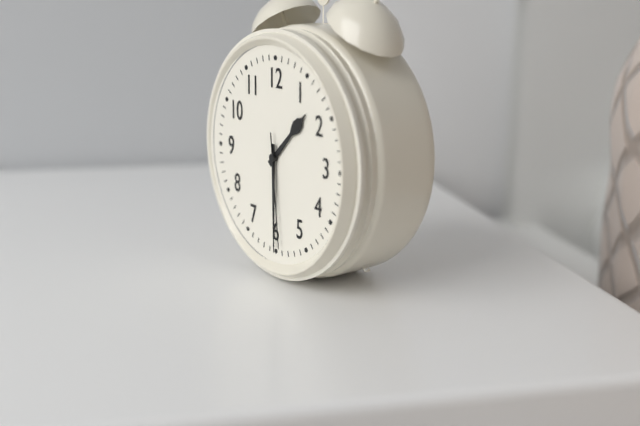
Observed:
1.30.29
